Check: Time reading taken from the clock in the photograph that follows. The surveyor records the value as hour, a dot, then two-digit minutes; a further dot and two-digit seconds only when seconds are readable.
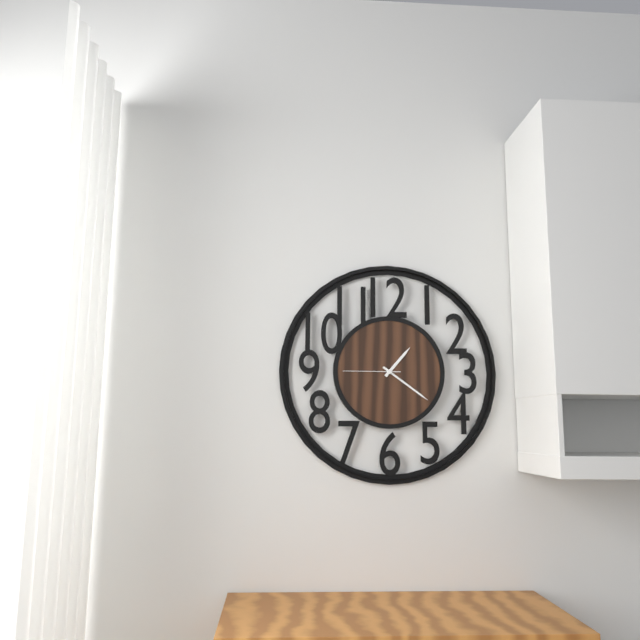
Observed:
1.21.45
